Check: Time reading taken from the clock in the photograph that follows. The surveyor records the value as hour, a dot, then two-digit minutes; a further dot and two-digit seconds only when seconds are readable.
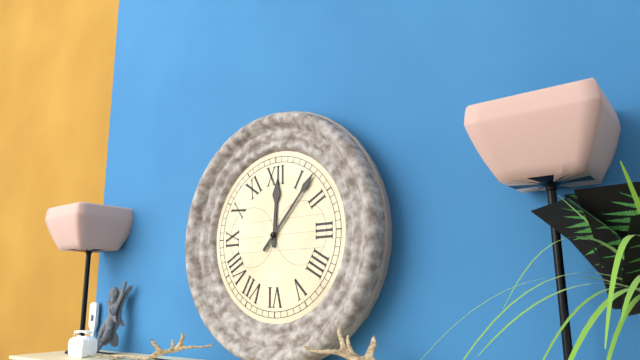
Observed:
12.07
